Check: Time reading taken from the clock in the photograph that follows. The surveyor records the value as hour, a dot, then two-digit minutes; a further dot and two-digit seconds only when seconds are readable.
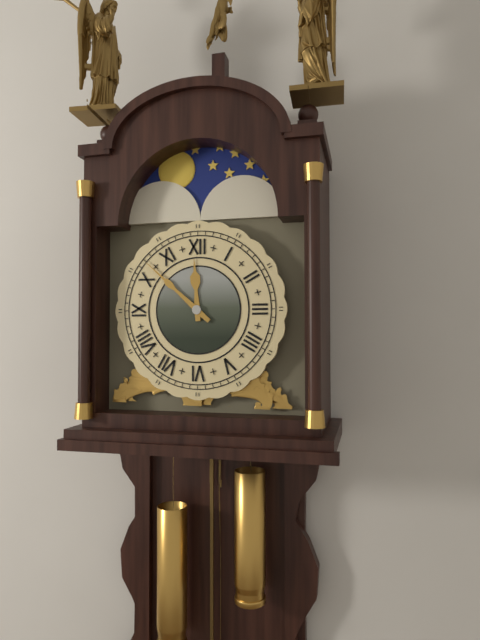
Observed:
11.52
